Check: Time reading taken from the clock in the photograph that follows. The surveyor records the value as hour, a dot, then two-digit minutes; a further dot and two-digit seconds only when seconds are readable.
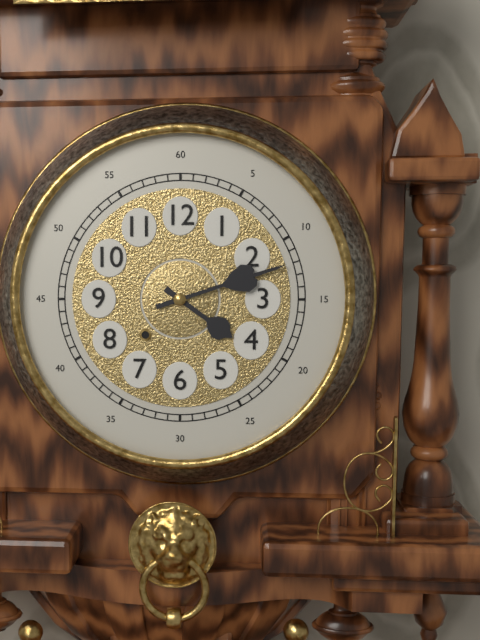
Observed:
4.12
